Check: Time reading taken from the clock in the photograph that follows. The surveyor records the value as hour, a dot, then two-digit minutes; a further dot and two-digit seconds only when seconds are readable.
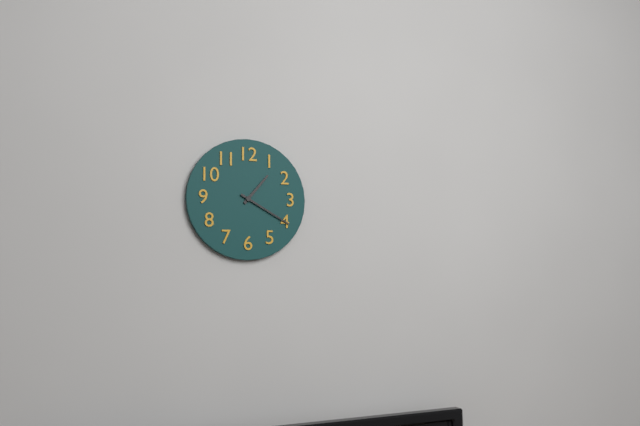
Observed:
1.20
